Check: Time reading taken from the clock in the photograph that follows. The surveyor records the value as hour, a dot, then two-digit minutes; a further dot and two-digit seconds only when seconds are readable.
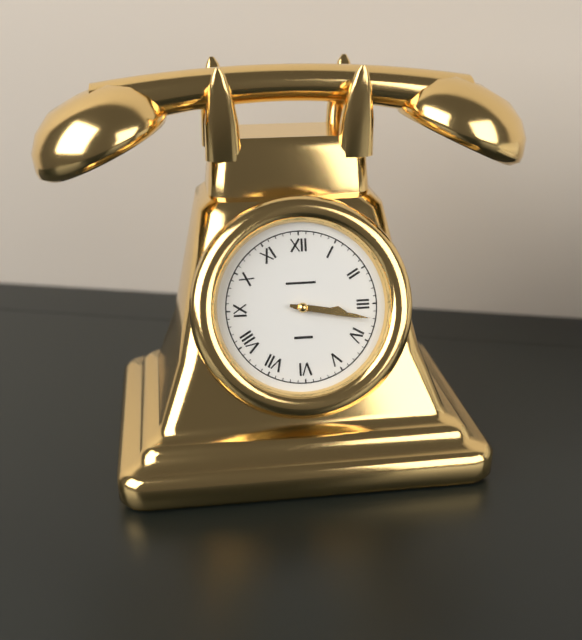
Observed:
3.17
